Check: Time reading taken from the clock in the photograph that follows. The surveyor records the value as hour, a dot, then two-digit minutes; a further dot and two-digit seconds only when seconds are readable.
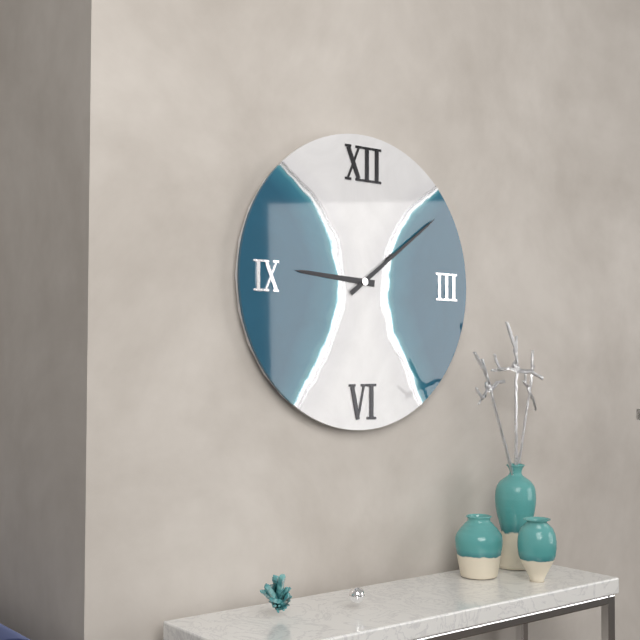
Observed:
9.09
